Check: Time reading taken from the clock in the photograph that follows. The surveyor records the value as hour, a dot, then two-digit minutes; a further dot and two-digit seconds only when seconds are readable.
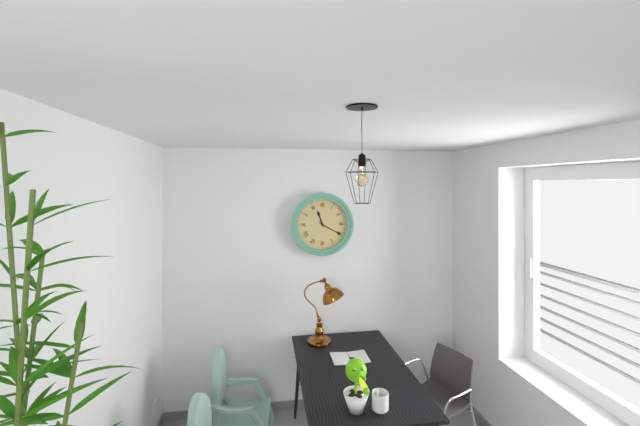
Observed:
11.20
